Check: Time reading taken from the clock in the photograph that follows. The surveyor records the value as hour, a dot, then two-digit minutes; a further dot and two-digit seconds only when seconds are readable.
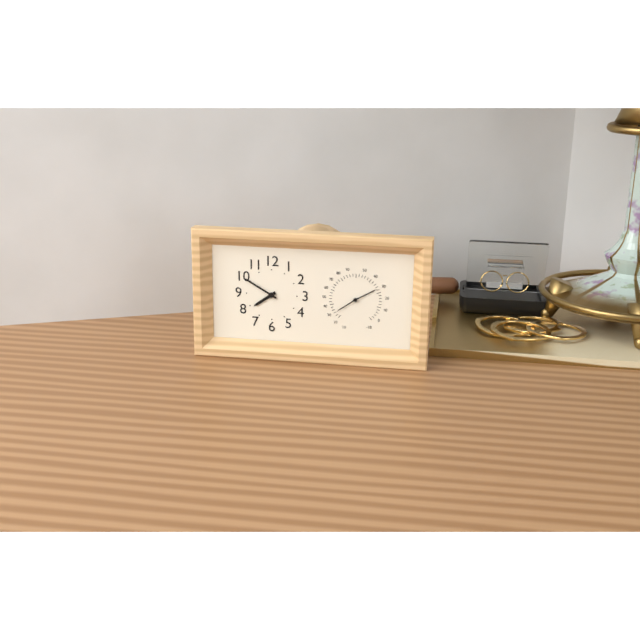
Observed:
7.50
